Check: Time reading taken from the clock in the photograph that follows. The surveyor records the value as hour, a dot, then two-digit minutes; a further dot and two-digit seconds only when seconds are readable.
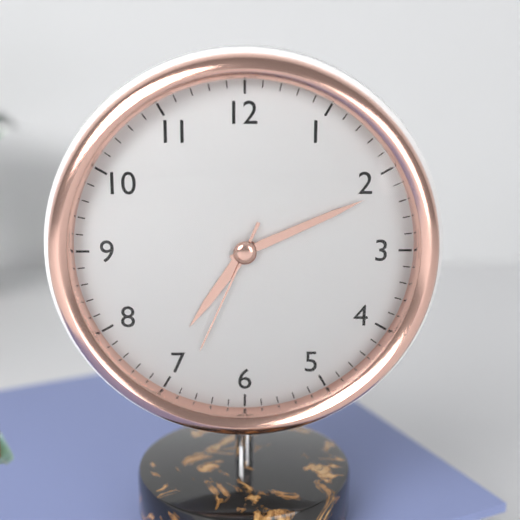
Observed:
7.11.34
